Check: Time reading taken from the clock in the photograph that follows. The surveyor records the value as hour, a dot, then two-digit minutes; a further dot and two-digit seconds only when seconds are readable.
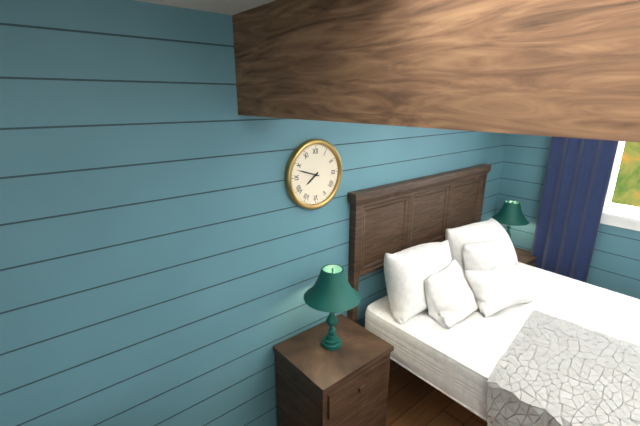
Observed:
7.48
